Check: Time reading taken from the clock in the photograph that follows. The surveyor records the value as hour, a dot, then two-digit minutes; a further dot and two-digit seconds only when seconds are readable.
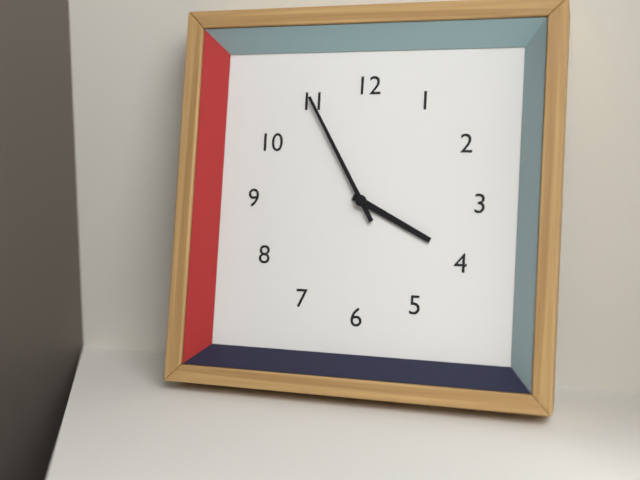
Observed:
3.55
